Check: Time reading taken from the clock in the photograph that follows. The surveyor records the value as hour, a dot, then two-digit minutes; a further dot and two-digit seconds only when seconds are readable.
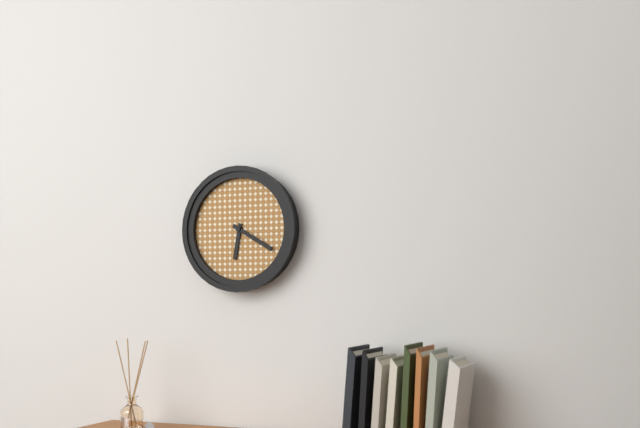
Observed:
6.20
